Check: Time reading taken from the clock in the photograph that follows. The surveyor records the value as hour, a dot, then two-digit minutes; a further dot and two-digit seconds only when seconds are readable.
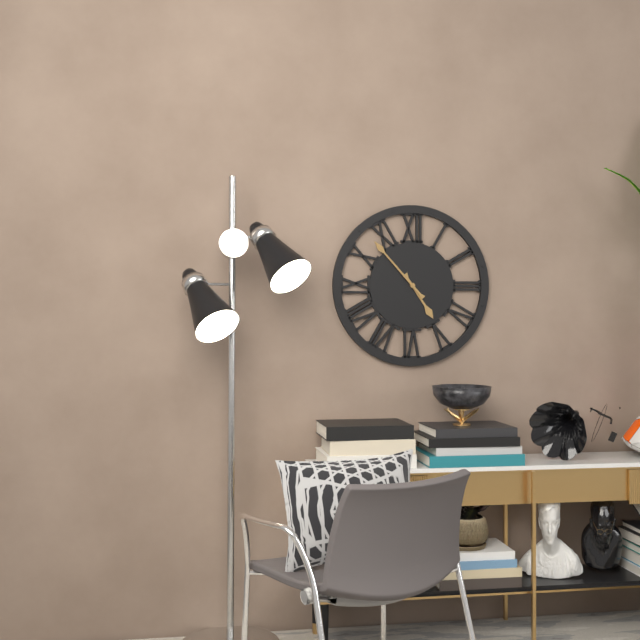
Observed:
4.53
